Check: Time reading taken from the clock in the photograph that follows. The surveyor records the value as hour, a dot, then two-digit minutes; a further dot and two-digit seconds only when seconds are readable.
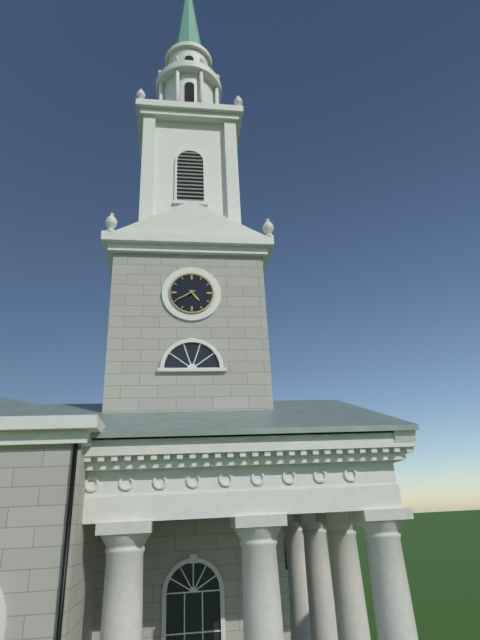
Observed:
4.40
